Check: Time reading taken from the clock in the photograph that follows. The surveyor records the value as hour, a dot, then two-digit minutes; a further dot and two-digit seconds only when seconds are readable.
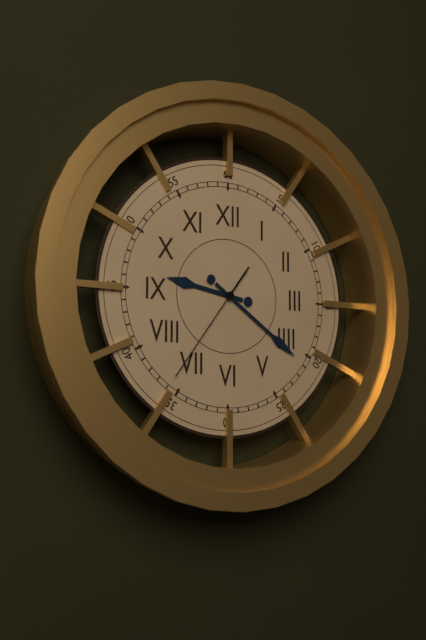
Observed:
9.21.36
